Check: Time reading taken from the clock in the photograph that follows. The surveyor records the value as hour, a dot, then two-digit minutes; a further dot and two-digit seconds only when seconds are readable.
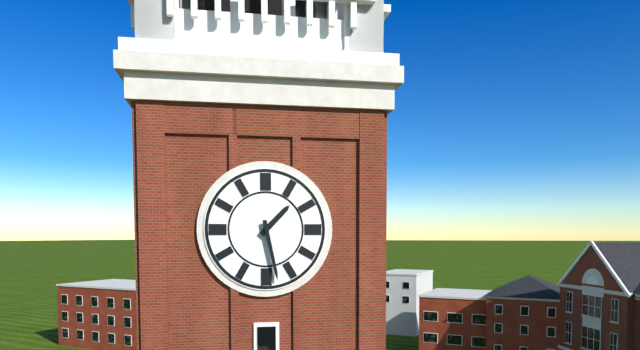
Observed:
1.28
